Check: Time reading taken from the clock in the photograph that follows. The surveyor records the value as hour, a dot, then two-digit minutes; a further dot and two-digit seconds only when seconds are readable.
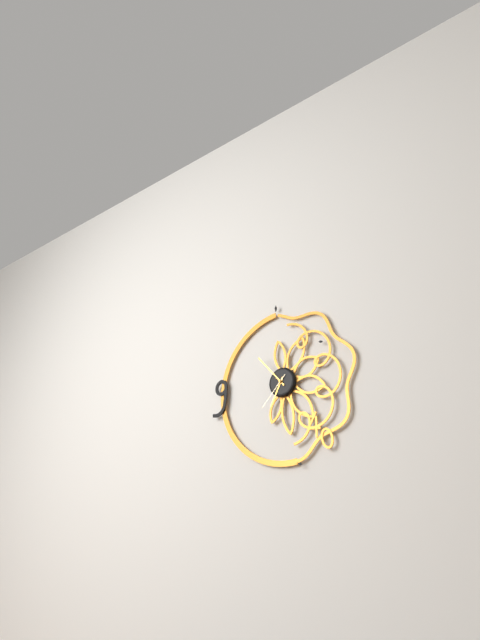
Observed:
6.53
